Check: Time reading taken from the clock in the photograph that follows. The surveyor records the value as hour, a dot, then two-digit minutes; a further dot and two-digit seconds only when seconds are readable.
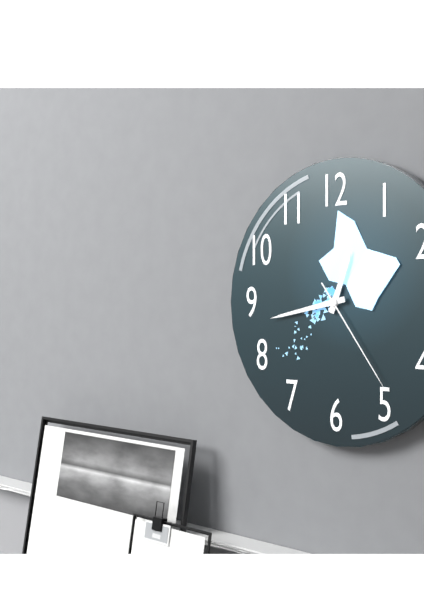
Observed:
12.43.24
